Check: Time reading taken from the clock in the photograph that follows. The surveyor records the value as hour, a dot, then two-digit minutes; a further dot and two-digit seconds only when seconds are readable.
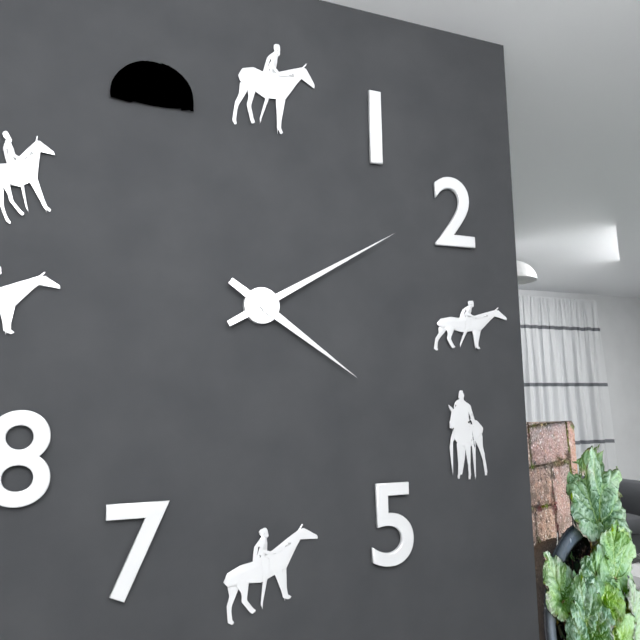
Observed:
4.10
